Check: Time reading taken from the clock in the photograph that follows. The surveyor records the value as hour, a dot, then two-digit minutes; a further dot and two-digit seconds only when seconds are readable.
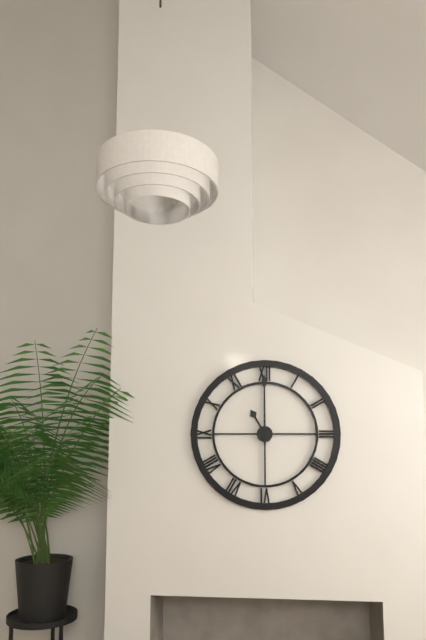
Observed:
11.00
